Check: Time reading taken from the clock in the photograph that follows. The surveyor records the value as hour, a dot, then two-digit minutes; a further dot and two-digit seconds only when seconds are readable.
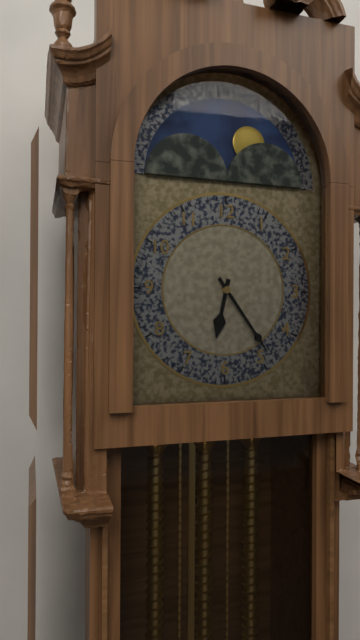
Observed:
6.24
